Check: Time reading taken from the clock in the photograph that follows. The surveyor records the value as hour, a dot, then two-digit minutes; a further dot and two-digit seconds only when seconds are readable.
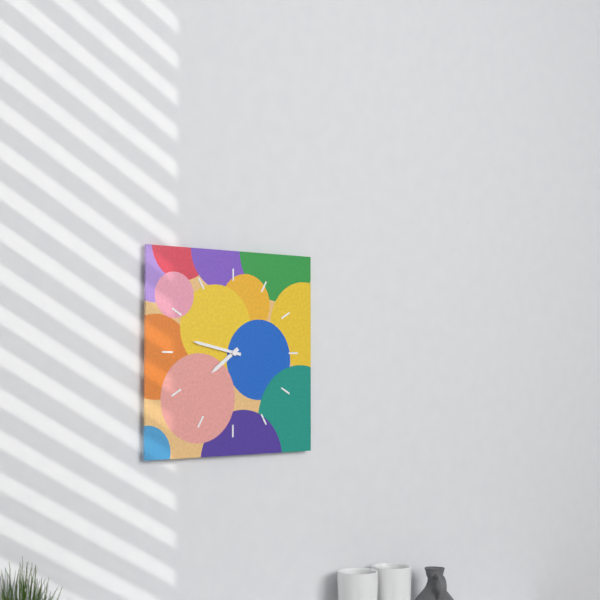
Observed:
7.47
